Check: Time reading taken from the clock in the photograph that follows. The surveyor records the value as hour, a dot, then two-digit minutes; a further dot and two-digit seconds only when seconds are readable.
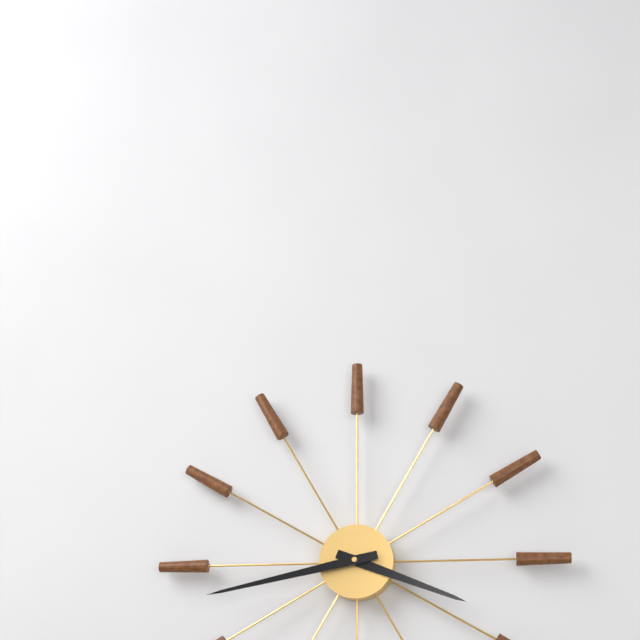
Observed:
3.43
